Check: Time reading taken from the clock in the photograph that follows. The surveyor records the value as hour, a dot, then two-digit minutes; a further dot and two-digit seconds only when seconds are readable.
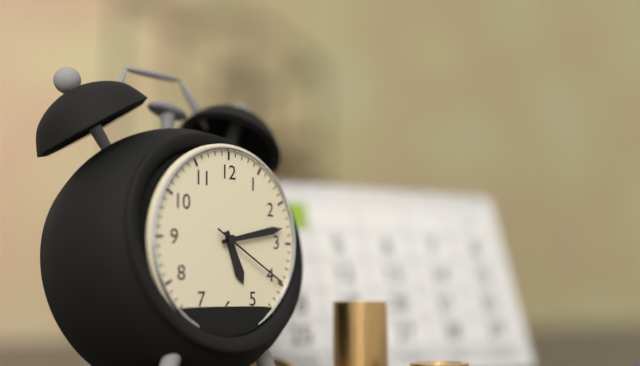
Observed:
5.13.20
